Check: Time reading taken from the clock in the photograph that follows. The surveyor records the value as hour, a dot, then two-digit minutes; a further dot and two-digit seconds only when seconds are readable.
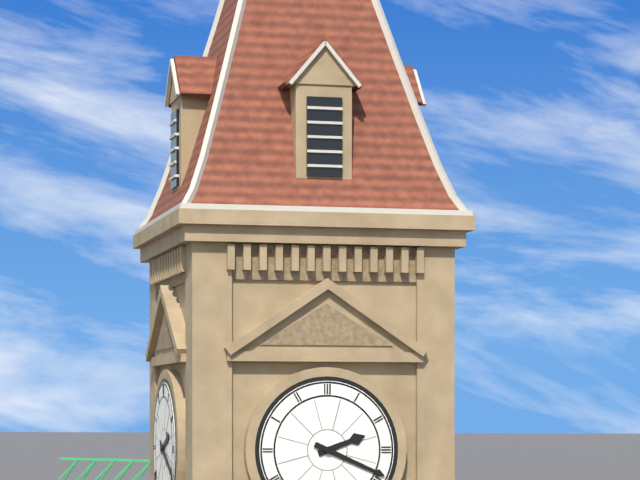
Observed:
2.19
